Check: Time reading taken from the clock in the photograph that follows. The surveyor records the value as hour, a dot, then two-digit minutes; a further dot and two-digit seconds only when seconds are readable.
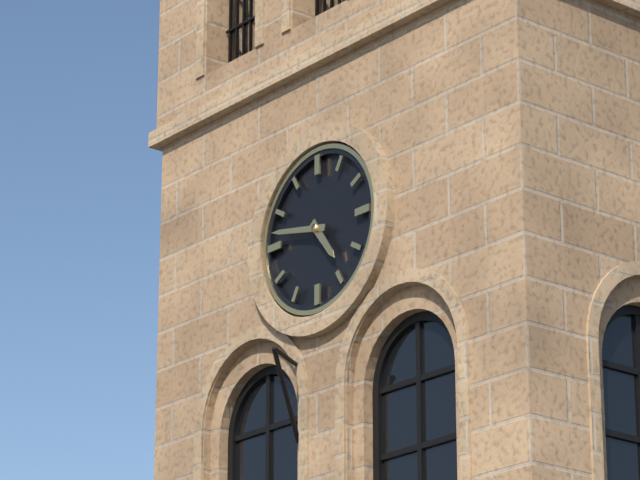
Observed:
4.47
